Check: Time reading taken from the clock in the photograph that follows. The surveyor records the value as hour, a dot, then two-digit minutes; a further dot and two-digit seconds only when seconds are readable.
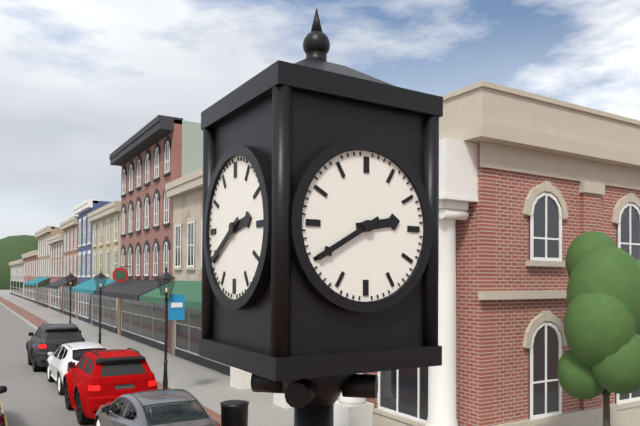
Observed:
2.40
